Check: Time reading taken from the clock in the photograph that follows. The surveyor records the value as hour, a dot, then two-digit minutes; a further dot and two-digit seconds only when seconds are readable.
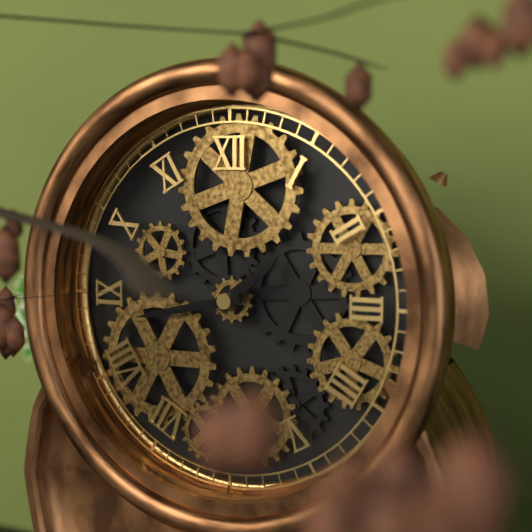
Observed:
1.43
